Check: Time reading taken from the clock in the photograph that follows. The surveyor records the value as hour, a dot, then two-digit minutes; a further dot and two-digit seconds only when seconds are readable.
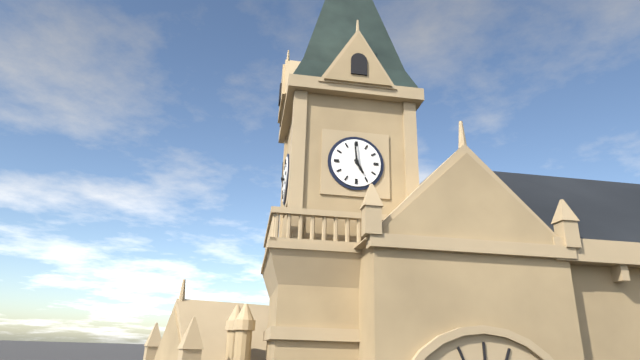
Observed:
4.59
